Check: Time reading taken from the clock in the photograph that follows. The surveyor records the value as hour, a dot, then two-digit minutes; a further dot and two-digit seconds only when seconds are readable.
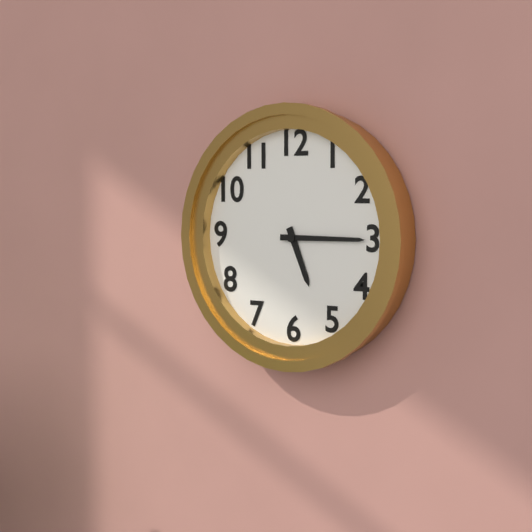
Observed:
5.15
